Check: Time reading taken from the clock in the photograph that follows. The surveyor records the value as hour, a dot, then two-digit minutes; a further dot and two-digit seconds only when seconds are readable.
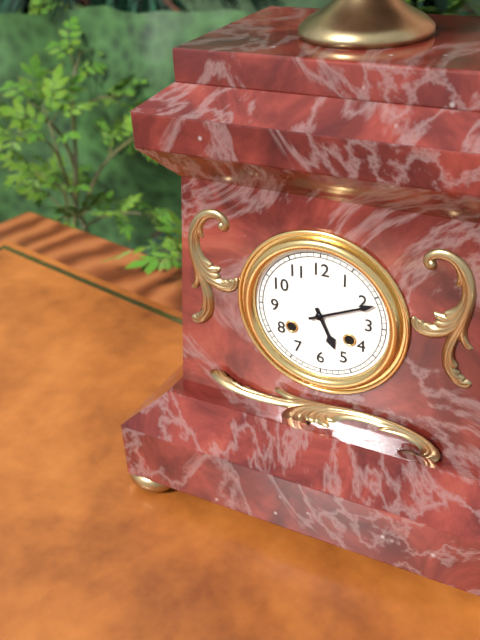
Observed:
5.11
